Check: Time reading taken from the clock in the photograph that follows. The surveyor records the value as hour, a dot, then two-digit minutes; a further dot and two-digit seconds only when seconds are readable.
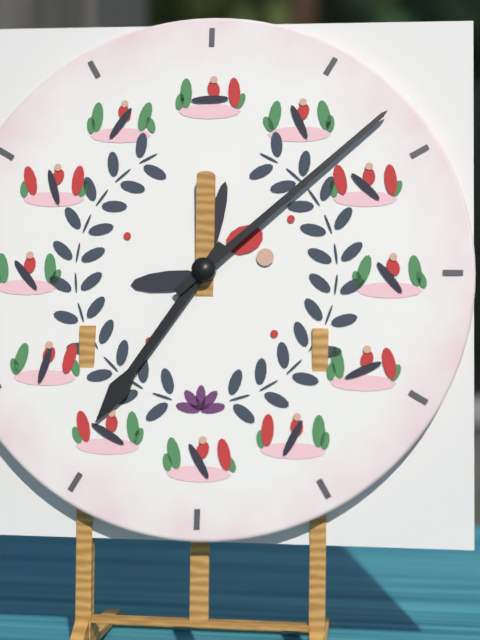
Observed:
7.08
